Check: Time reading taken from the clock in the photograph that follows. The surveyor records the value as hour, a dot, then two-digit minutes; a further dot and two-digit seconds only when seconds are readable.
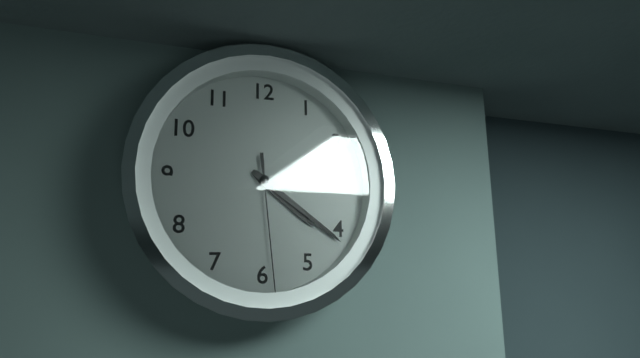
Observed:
4.21.29
